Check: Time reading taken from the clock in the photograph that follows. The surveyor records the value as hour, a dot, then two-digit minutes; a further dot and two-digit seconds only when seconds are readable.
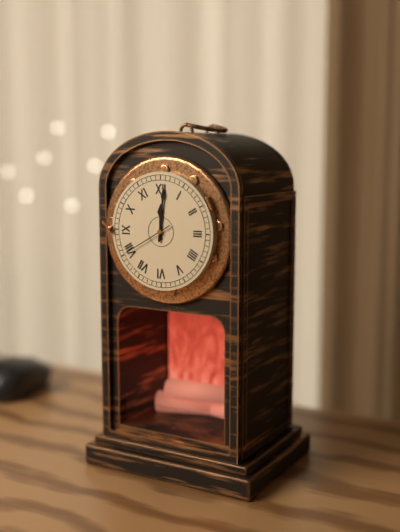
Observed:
12.01.40
